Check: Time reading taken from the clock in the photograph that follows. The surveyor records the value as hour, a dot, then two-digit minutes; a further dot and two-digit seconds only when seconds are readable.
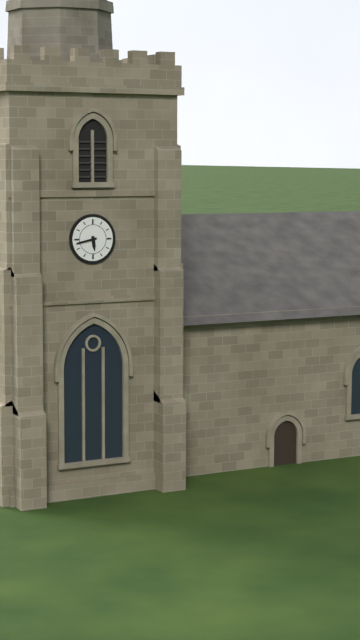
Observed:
5.43
